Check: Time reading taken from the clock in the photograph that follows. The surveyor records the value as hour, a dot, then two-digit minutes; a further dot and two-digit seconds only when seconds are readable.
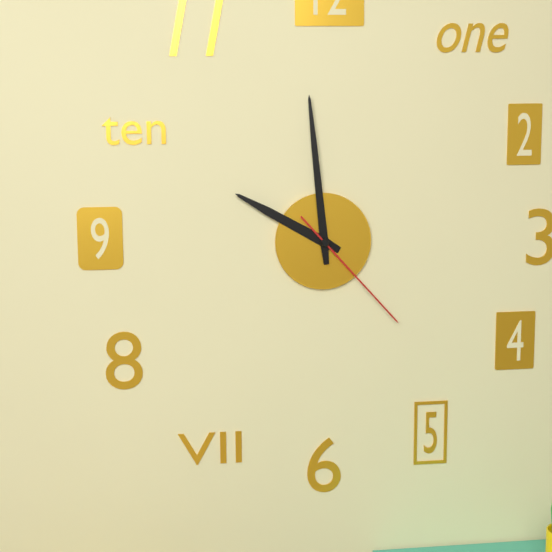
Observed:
9.59.23
